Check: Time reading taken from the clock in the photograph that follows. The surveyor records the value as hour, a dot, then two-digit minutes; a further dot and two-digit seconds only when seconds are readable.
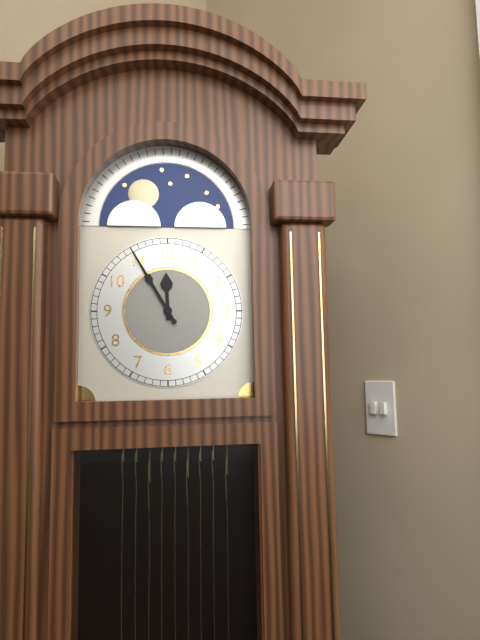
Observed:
11.55
